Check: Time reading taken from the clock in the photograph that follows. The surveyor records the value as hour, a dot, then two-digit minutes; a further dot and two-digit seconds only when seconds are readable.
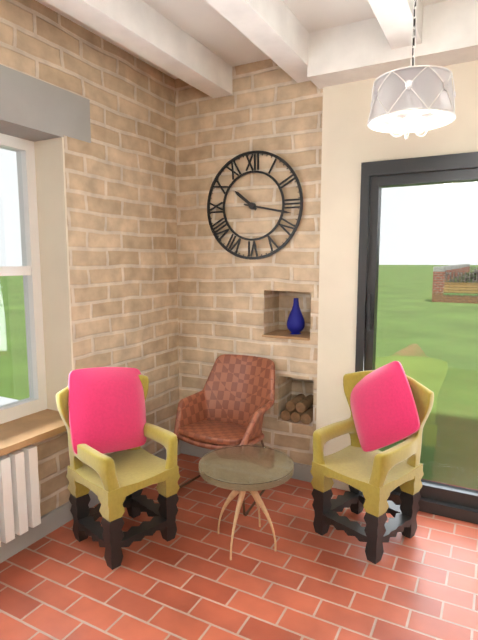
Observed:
10.17
